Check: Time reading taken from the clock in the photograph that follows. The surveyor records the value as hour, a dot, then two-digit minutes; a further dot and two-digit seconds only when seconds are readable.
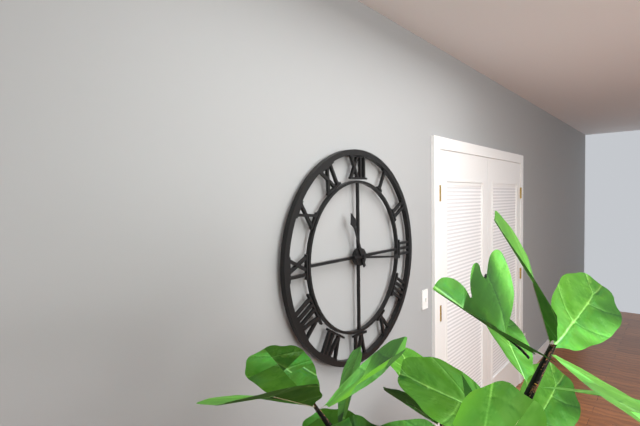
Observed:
11.16
